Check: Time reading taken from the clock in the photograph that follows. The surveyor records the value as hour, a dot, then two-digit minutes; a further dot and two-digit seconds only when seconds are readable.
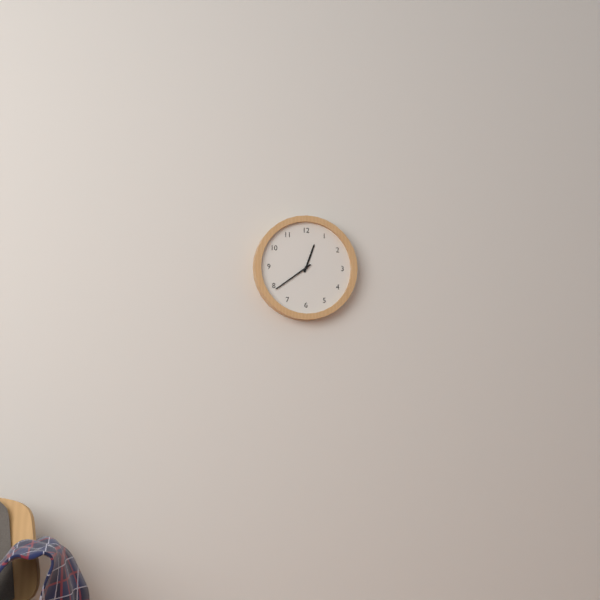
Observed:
12.39
